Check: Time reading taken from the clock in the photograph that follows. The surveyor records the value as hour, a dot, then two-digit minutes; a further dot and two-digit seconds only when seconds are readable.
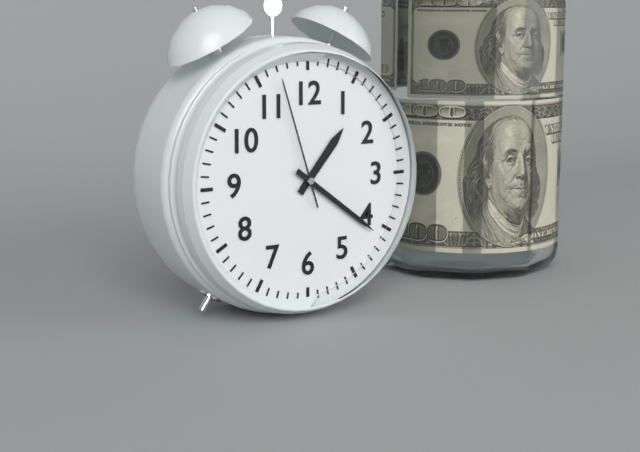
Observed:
1.21.57
